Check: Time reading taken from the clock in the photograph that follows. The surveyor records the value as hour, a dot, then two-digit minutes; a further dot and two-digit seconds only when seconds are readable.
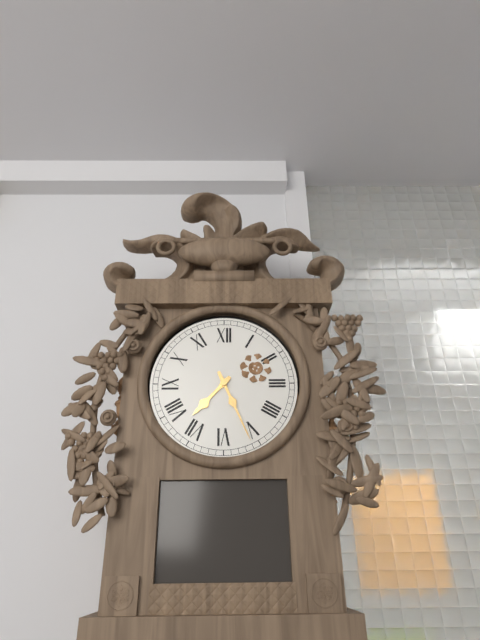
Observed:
7.26
